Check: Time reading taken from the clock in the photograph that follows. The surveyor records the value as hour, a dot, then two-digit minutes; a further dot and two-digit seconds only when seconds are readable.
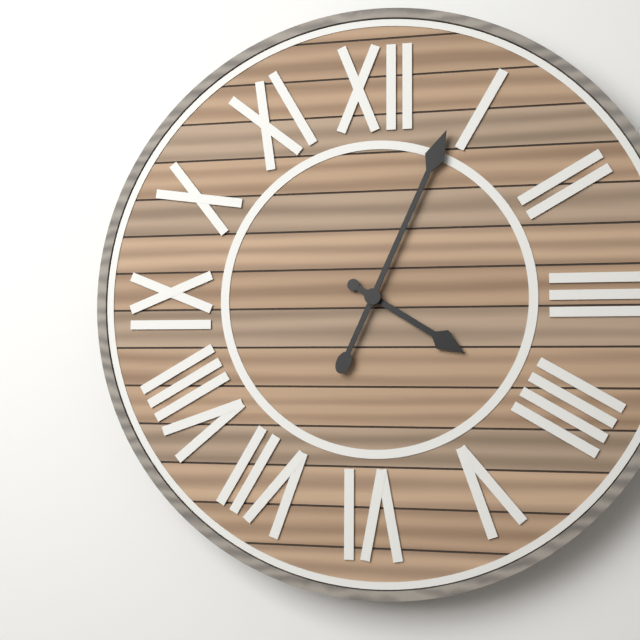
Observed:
4.04
